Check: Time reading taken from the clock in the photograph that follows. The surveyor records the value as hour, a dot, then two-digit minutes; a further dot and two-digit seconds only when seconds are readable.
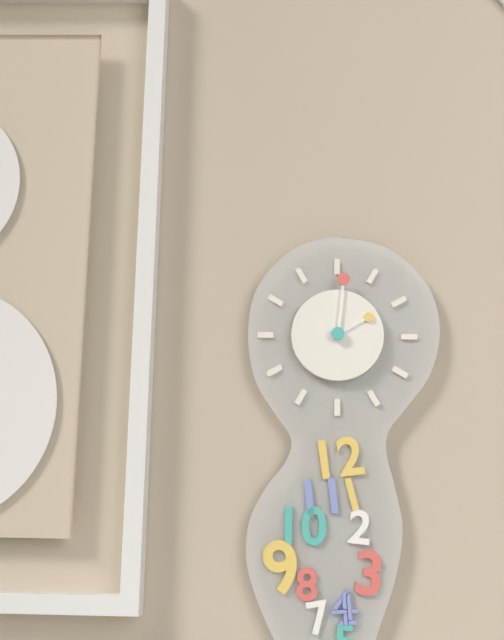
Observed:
2.01
